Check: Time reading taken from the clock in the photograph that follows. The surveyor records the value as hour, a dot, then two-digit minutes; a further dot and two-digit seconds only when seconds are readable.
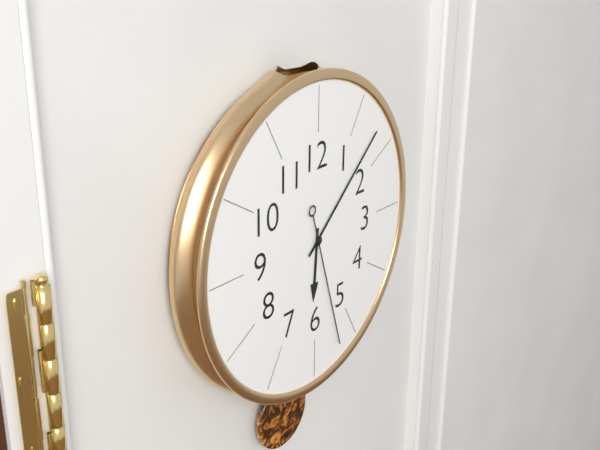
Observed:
6.08.27
